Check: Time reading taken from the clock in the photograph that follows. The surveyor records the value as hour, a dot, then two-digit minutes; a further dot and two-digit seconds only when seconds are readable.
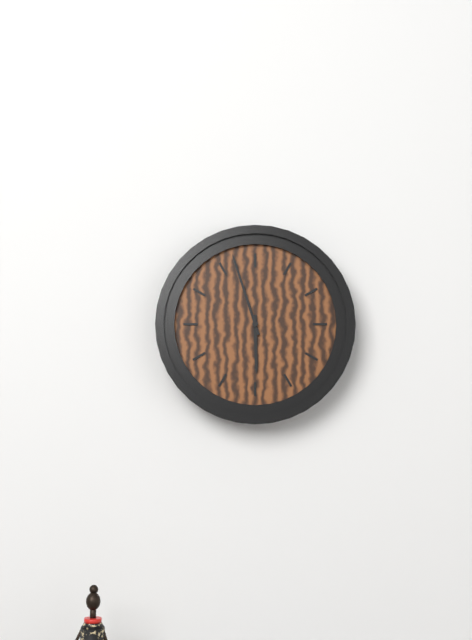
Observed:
5.57
